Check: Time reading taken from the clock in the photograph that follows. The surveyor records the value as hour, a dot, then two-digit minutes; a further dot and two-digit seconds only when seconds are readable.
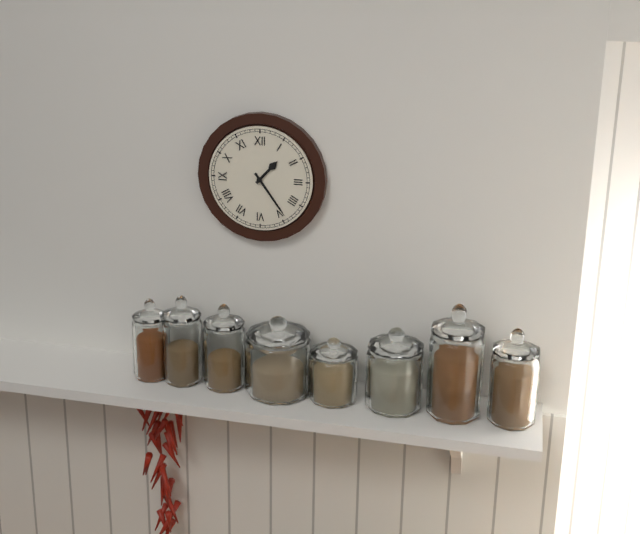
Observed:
1.24
